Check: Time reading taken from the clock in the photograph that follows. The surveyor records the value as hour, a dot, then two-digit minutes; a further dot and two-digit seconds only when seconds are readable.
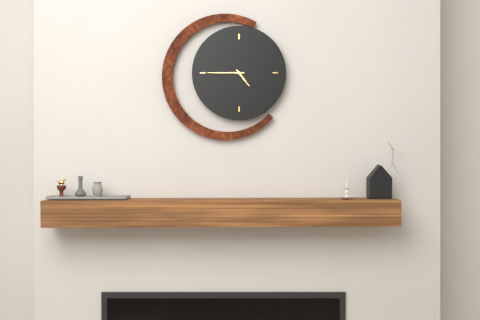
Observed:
4.45
